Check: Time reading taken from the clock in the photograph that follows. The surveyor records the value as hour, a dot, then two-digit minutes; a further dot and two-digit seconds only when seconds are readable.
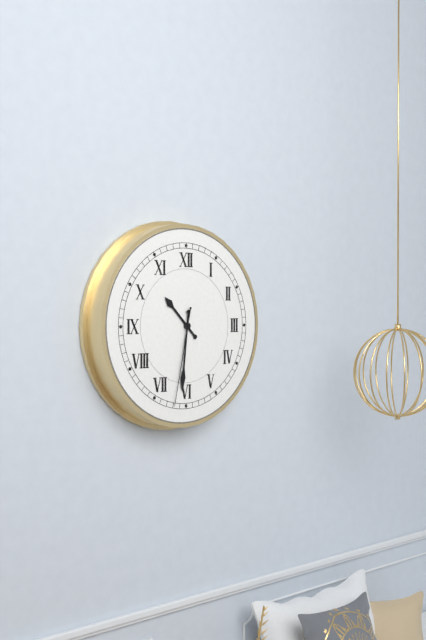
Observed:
10.31.32
